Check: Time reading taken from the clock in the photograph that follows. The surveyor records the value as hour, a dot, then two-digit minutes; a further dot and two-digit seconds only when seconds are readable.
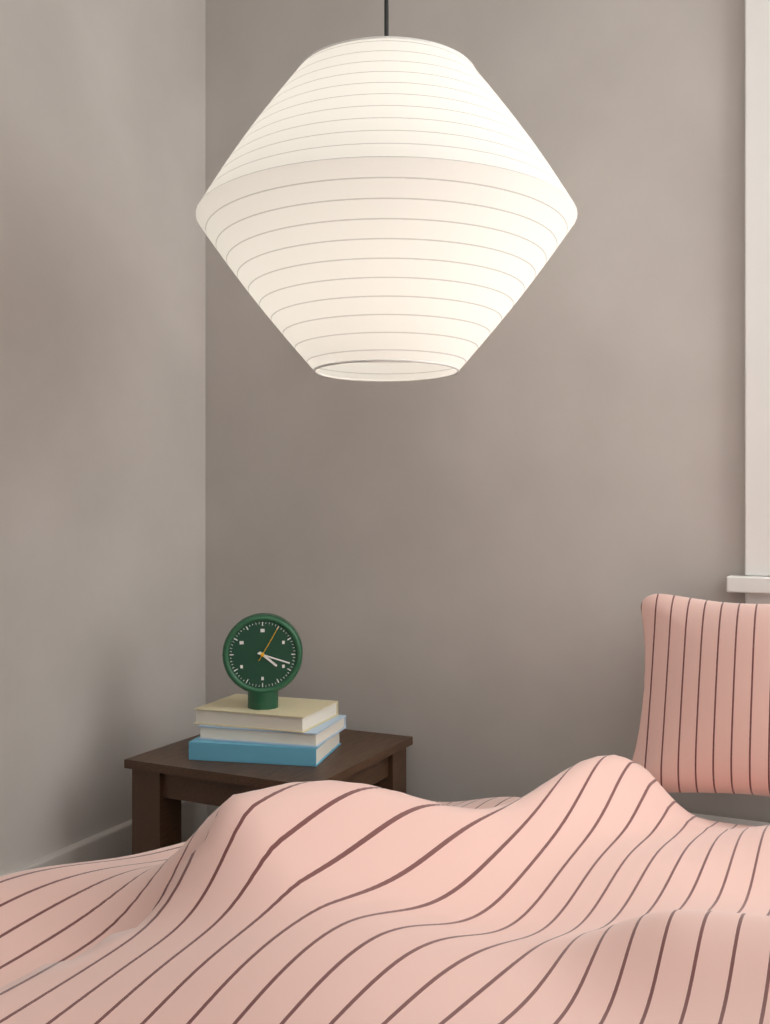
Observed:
4.18
